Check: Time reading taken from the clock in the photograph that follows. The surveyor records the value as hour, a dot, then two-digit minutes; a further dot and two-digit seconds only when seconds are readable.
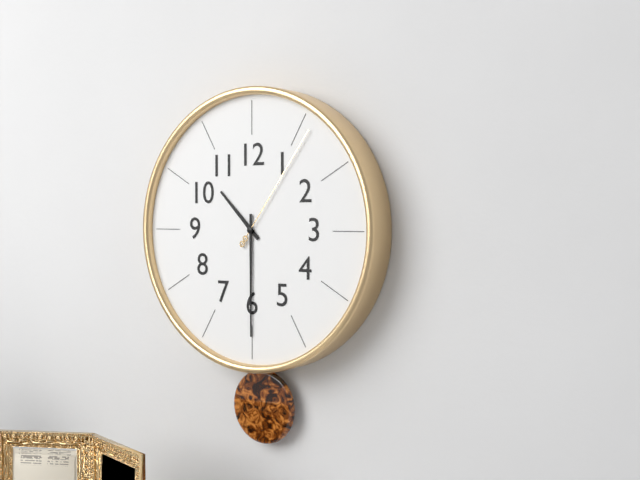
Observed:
10.30.06
